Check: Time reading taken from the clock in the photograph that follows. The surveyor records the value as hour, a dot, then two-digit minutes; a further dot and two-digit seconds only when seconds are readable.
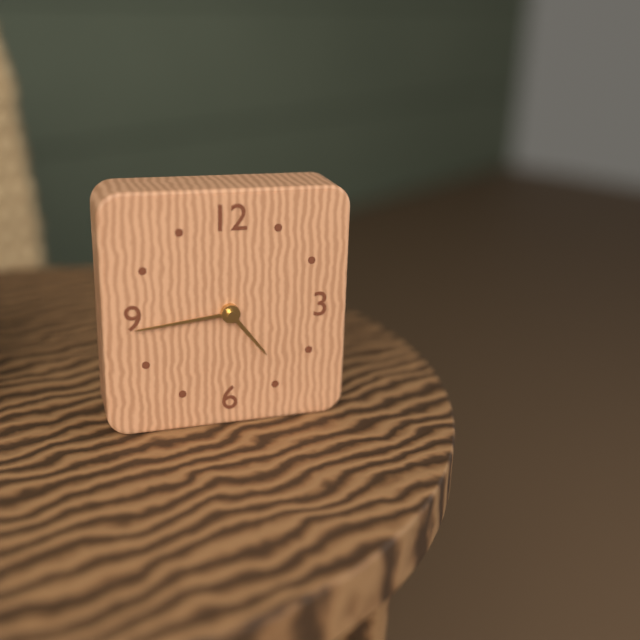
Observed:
4.44
